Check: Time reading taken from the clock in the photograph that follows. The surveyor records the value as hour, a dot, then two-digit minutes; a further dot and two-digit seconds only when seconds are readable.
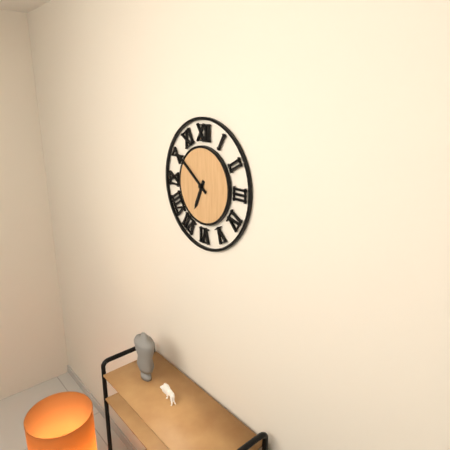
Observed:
6.51
